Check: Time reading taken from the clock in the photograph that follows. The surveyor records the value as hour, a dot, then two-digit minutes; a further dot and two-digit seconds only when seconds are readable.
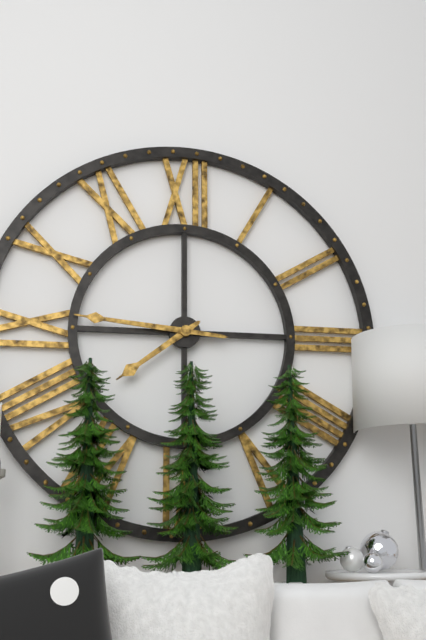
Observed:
7.46
